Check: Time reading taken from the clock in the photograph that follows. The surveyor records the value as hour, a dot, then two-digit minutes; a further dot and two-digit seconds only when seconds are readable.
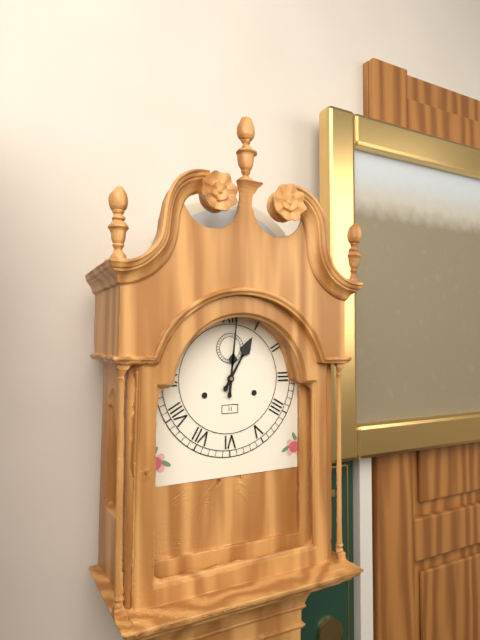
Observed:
1.01
